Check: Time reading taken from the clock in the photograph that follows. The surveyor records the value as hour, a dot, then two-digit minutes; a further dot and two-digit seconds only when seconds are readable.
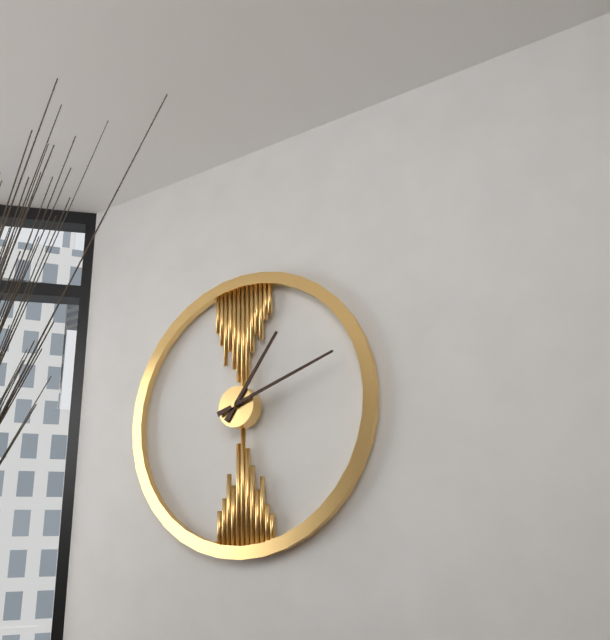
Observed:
1.12
